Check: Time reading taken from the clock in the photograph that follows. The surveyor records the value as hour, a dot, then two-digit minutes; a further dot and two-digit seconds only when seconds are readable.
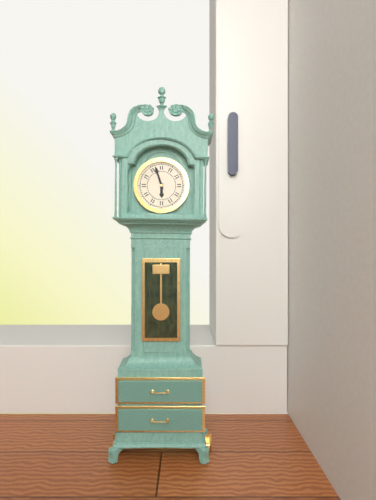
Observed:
5.57
